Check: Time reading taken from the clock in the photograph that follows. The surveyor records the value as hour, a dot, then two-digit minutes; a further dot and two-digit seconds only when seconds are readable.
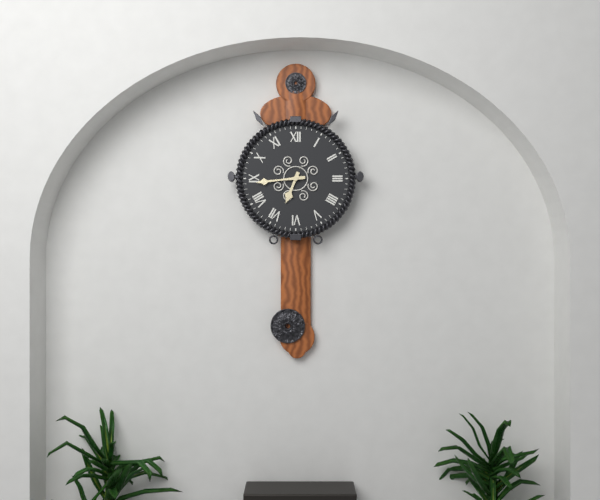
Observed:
6.44
